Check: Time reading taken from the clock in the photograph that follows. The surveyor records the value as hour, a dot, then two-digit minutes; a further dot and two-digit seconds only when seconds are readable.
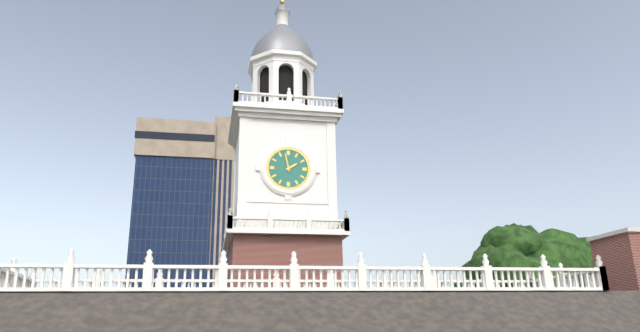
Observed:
1.58
